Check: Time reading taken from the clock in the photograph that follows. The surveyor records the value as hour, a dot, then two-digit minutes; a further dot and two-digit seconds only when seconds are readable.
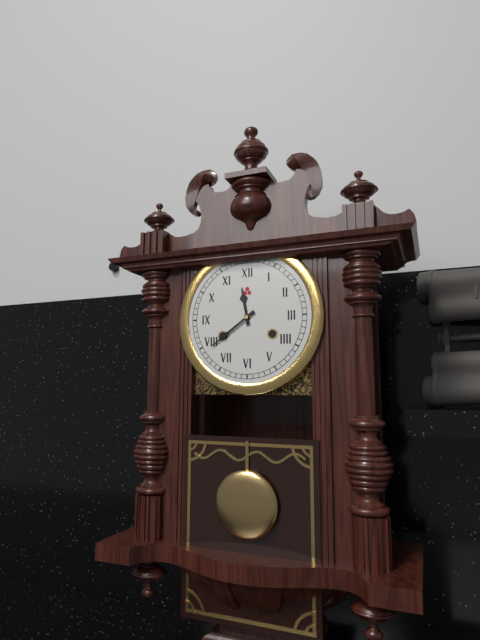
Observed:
11.39
